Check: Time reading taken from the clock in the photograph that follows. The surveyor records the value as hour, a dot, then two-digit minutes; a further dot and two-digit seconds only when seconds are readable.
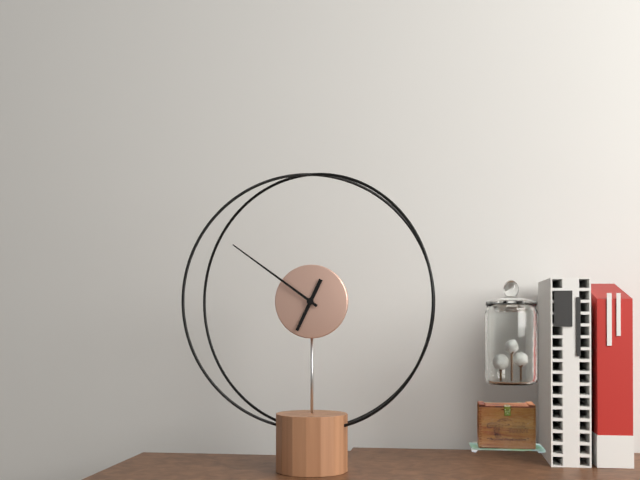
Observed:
6.51
